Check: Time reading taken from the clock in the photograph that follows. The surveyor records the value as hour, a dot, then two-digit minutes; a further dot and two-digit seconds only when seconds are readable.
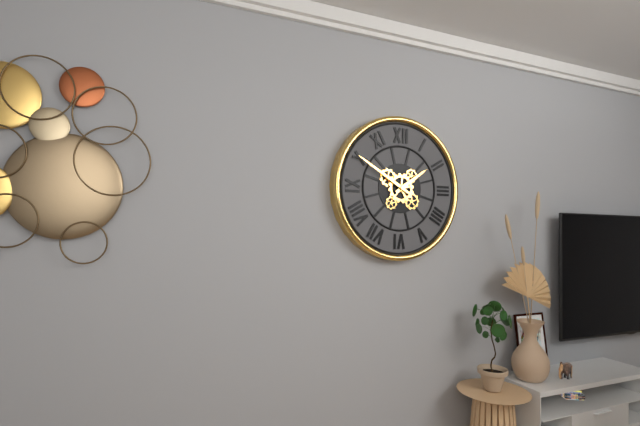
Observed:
1.50
